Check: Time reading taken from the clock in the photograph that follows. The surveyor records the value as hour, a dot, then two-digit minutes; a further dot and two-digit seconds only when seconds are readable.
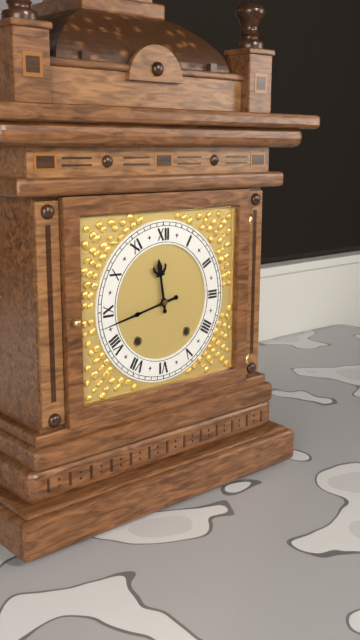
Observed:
11.43
